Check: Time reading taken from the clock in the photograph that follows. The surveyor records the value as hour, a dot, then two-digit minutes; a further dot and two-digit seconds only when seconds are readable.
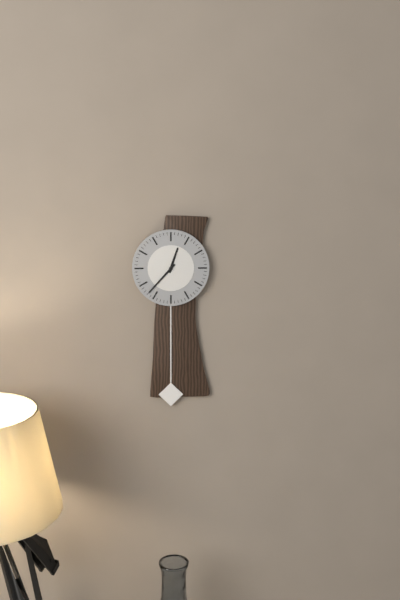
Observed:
12.37
